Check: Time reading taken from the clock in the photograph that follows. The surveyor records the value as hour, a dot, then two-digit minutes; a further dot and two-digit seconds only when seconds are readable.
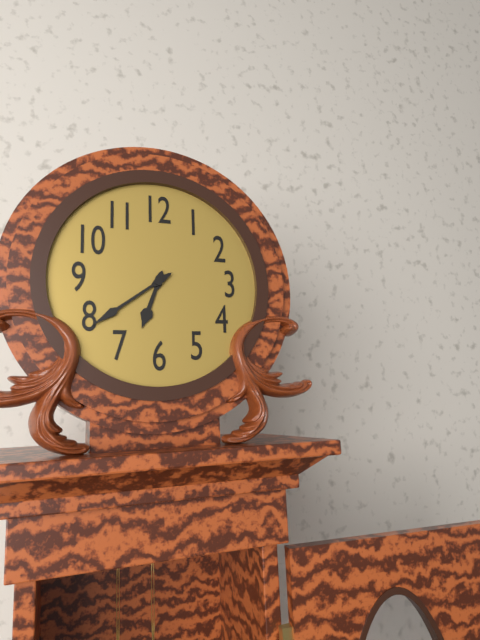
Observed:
6.39
